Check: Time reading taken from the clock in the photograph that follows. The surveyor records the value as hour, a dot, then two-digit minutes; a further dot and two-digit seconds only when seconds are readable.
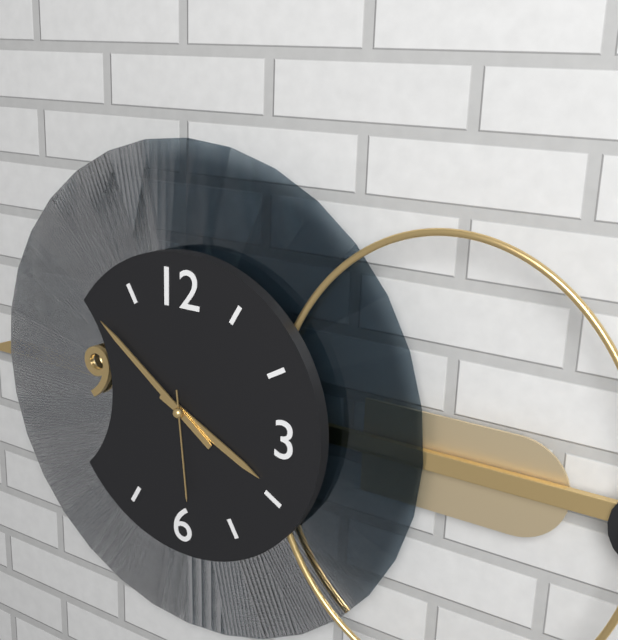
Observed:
3.51.29
